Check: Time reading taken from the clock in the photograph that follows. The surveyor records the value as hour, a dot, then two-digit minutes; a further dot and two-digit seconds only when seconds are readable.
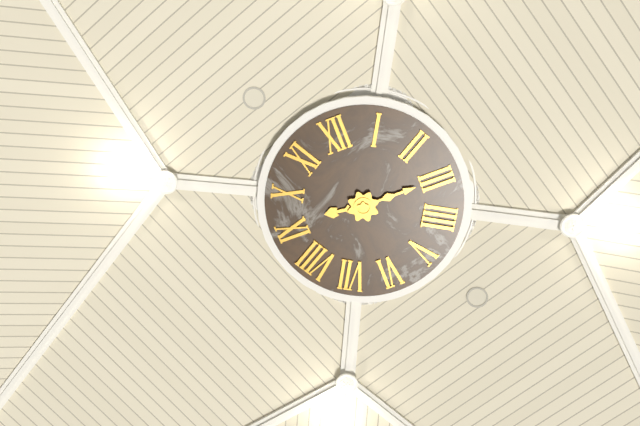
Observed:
9.15
